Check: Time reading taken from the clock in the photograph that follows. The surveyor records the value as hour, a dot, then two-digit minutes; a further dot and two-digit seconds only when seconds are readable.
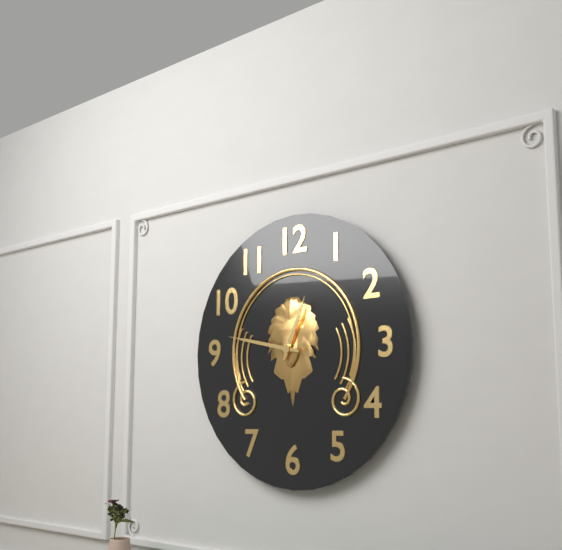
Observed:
12.47
